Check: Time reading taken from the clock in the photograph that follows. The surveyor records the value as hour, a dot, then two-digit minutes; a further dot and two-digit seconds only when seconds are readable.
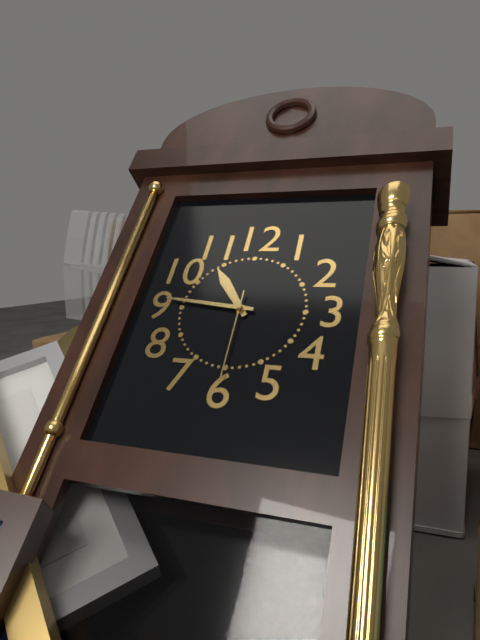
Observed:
10.46.30
